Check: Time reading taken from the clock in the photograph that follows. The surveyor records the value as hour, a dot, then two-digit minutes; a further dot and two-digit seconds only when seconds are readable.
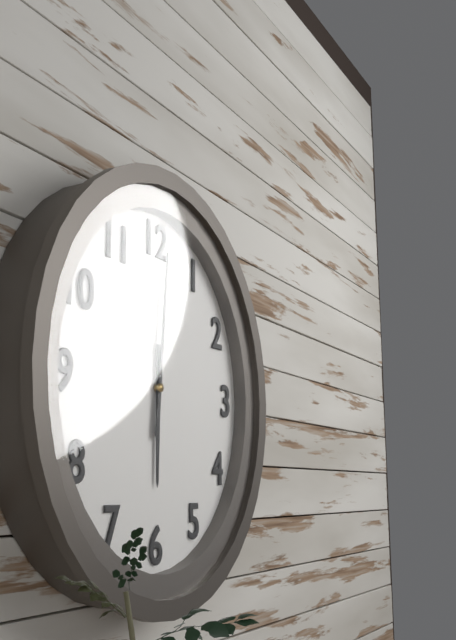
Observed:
6.01
